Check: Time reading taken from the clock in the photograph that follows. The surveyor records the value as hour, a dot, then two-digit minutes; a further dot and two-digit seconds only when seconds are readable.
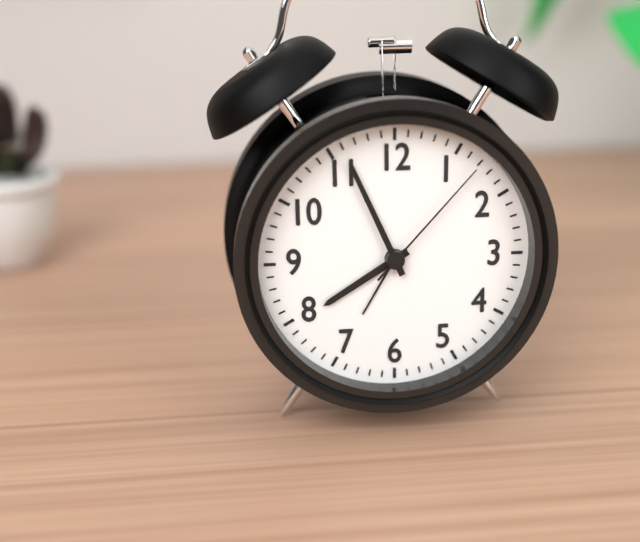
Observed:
7.56.07
